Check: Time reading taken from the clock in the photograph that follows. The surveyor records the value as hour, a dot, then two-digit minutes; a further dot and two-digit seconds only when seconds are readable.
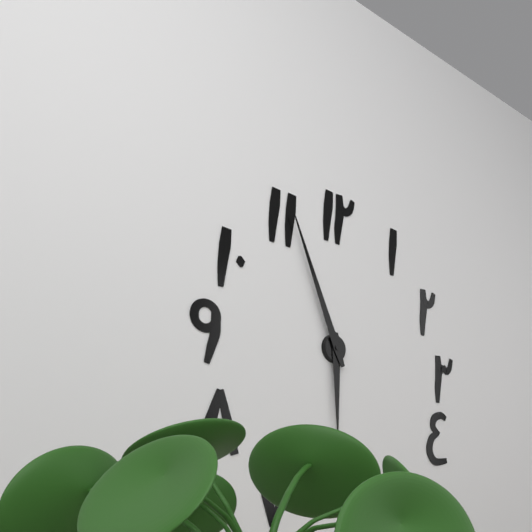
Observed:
5.56
